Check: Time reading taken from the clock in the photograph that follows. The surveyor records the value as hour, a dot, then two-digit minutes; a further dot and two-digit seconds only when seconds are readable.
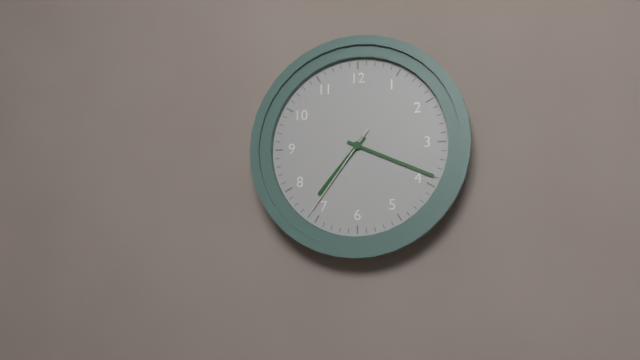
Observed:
7.19.36
